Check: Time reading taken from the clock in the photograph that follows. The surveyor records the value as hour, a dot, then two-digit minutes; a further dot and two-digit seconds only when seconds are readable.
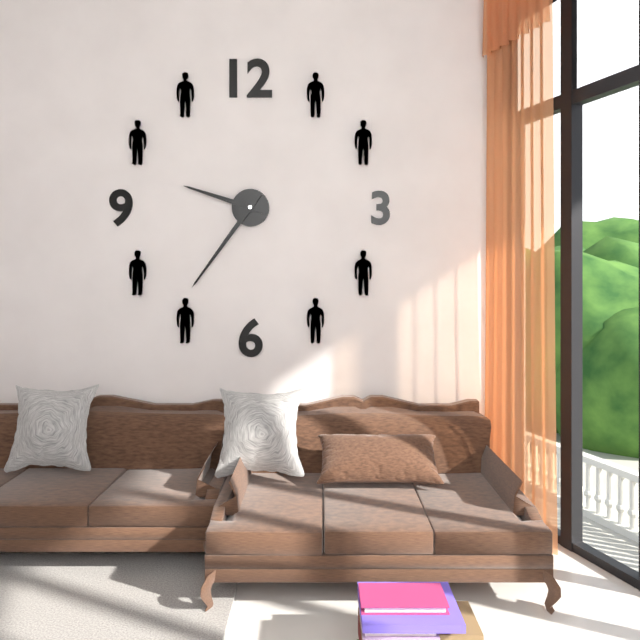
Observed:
9.36
